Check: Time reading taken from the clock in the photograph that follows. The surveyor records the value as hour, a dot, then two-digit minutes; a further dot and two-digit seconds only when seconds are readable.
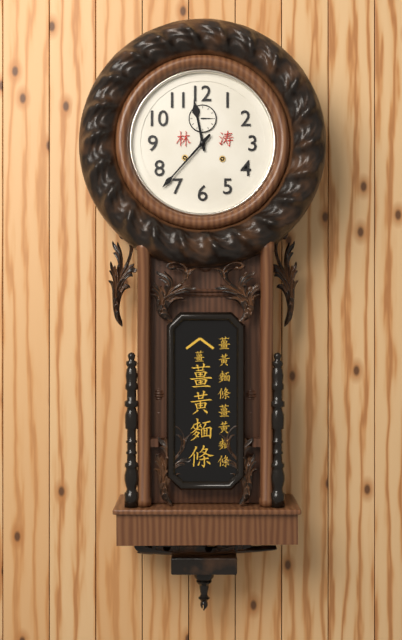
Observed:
11.37
